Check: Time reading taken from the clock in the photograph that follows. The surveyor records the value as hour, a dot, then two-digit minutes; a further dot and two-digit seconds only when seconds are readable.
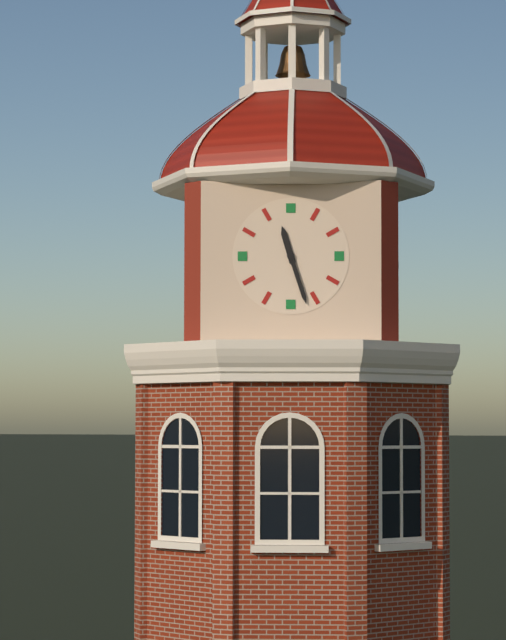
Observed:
11.27
